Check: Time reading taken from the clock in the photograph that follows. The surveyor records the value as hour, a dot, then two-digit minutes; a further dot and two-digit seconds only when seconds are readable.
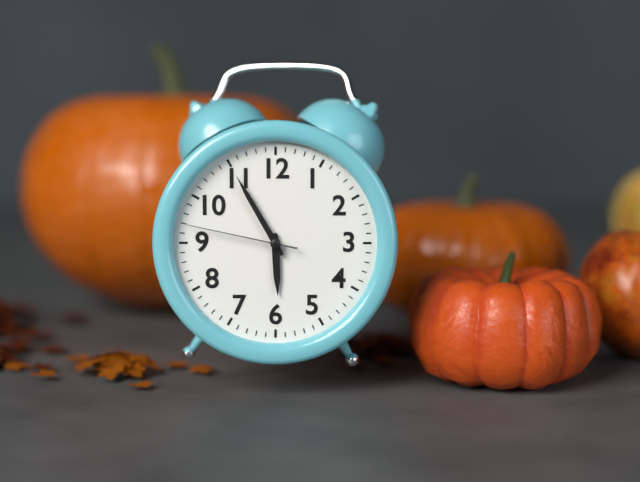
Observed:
5.55.47
